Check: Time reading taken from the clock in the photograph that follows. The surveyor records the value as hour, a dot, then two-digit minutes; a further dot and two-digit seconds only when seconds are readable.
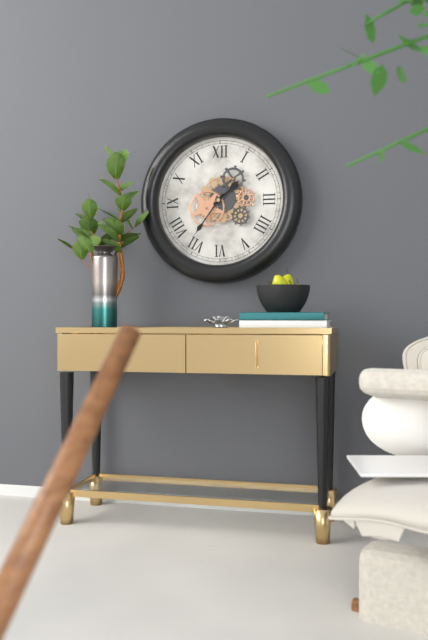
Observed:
1.36
